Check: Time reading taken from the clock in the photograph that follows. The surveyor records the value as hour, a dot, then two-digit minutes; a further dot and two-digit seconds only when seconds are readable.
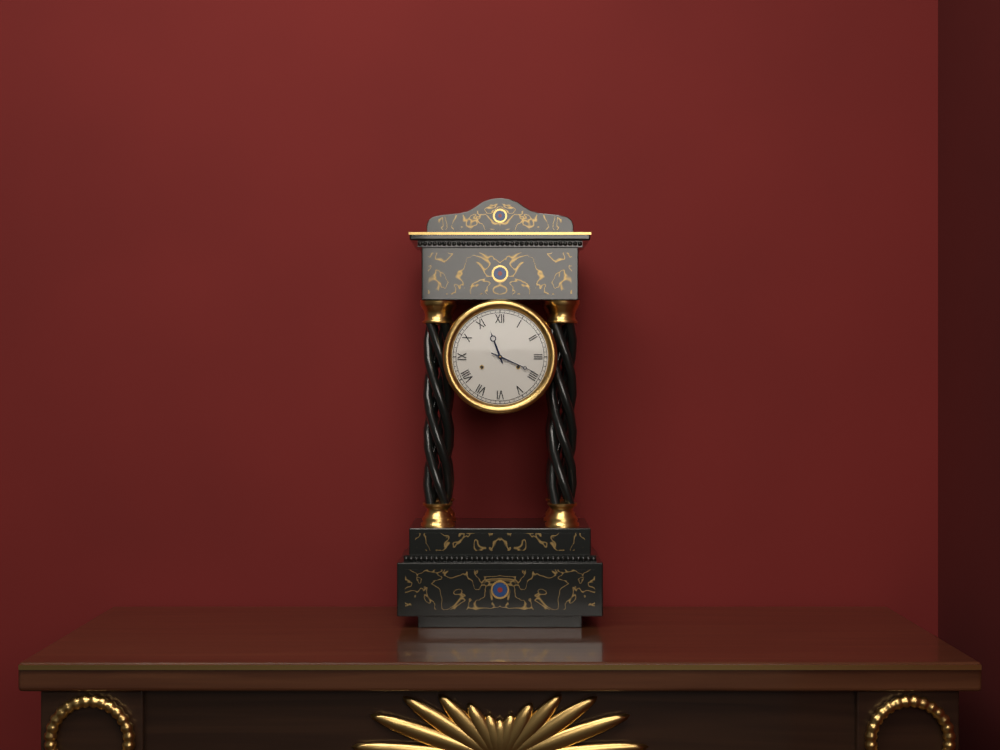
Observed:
11.19
